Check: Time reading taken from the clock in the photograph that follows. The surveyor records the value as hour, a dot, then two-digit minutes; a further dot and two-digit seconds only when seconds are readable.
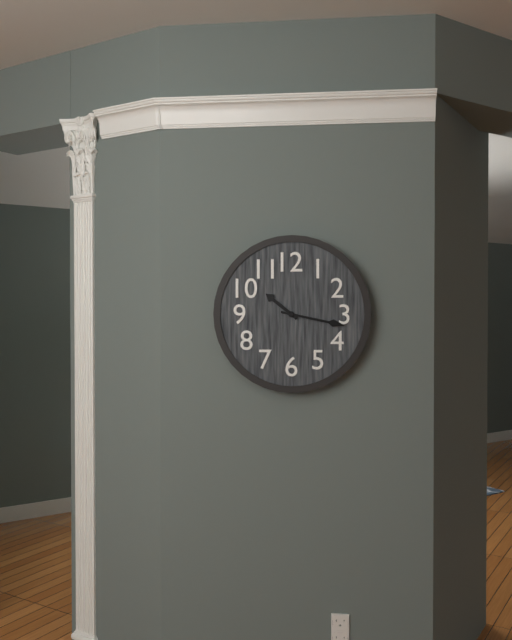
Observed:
10.17
